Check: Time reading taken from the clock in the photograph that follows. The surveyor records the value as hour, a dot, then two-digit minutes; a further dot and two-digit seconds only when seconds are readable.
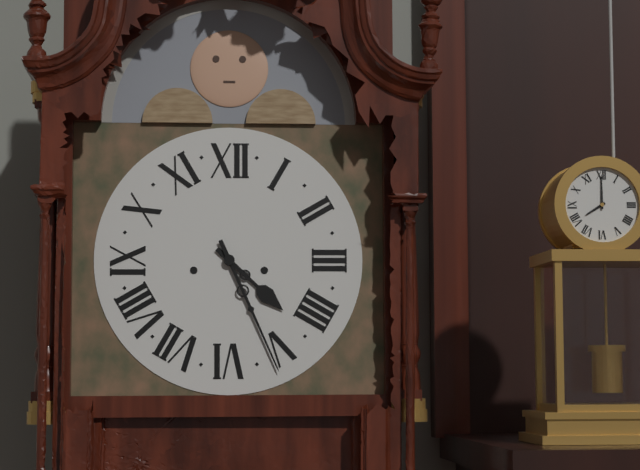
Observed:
4.26
